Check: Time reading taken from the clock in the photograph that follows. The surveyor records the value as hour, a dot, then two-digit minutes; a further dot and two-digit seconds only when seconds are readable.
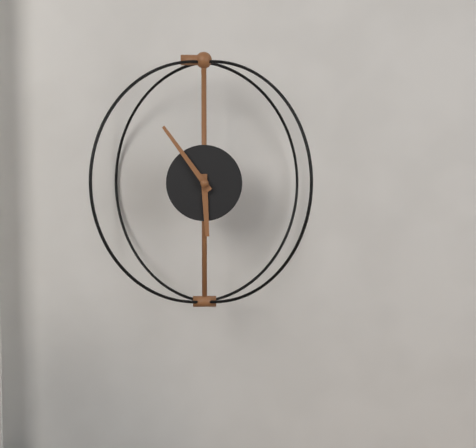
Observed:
5.54
